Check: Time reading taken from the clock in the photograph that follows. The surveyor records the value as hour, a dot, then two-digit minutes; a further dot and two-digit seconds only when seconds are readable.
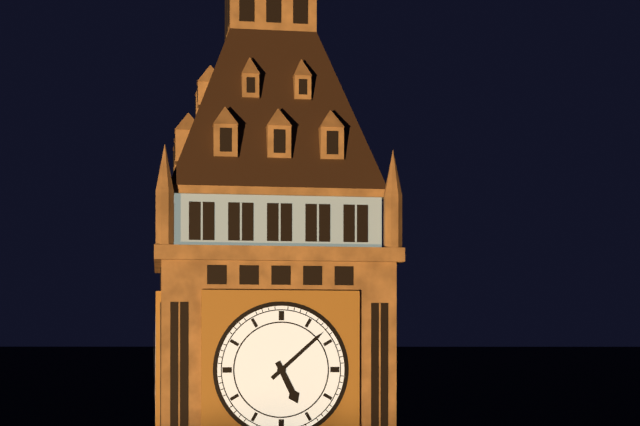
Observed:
5.08
